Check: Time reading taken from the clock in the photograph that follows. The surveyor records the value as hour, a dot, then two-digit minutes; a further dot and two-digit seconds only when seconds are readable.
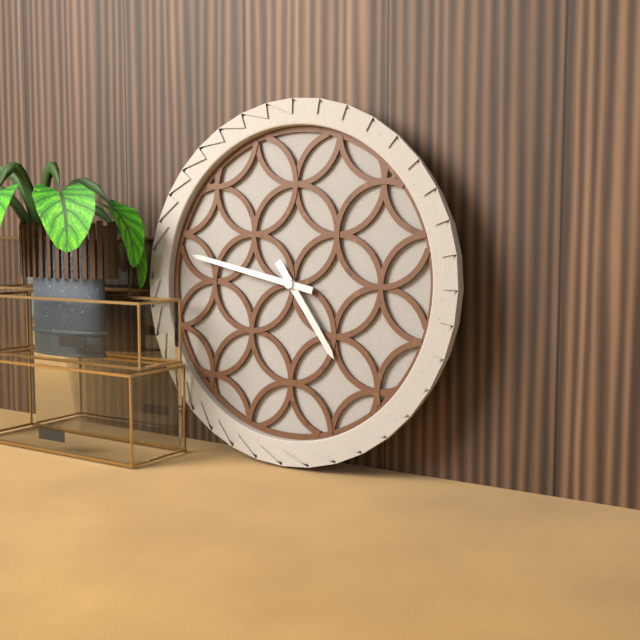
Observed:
4.47
